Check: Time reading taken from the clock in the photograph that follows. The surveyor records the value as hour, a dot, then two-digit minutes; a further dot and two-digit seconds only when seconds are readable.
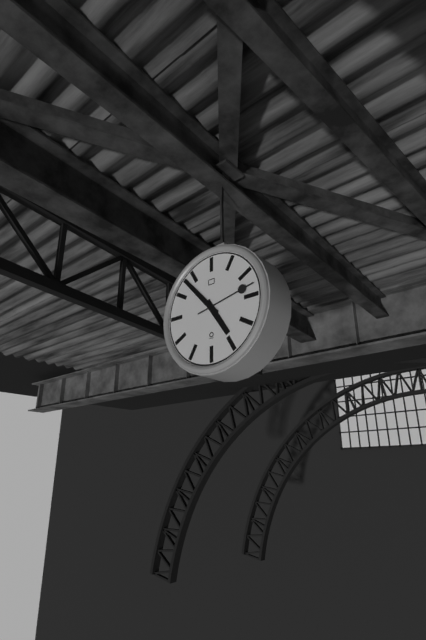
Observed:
4.53.13
